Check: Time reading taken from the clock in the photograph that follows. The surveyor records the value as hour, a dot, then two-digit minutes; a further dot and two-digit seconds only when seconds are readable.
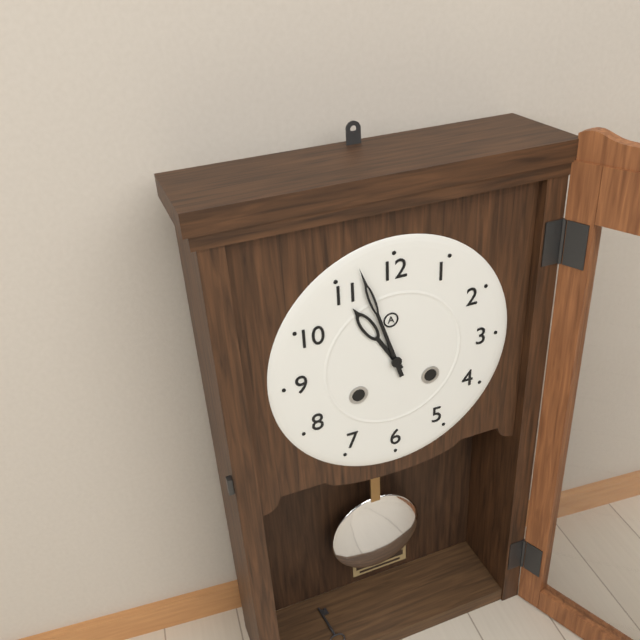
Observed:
10.57
